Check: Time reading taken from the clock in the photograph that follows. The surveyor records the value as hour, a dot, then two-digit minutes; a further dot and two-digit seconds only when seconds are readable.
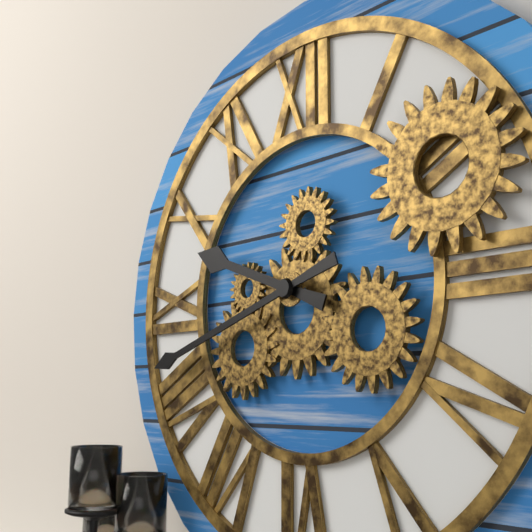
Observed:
9.42
